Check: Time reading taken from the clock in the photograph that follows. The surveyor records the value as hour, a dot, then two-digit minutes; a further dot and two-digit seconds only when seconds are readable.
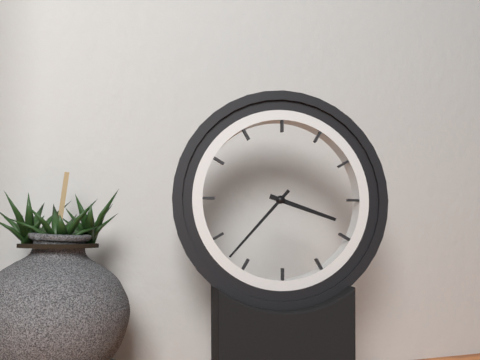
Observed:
3.37
